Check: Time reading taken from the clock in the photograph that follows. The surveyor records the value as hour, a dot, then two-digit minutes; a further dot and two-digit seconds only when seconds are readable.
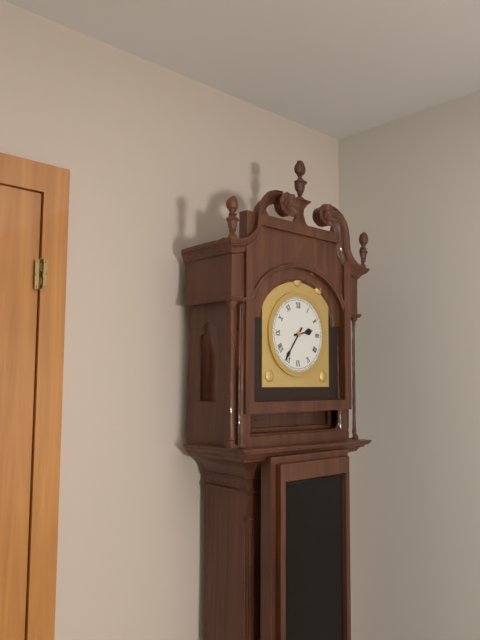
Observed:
2.36
